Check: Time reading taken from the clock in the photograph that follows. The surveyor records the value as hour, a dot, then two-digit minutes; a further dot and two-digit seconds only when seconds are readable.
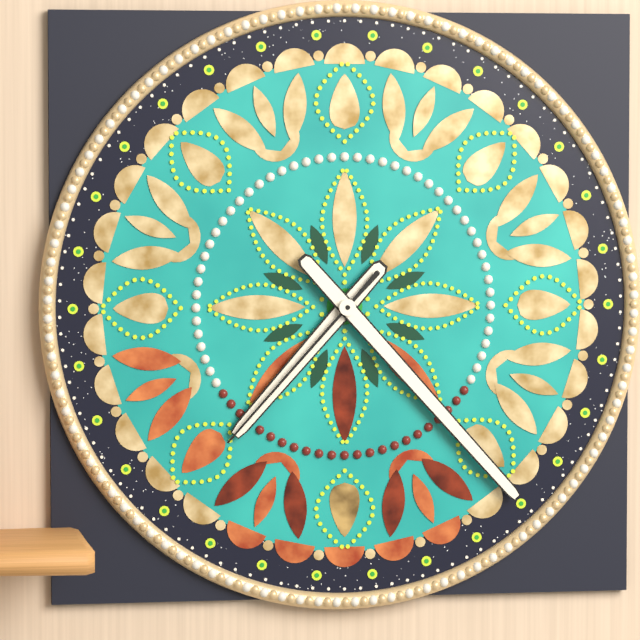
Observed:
7.23.37
